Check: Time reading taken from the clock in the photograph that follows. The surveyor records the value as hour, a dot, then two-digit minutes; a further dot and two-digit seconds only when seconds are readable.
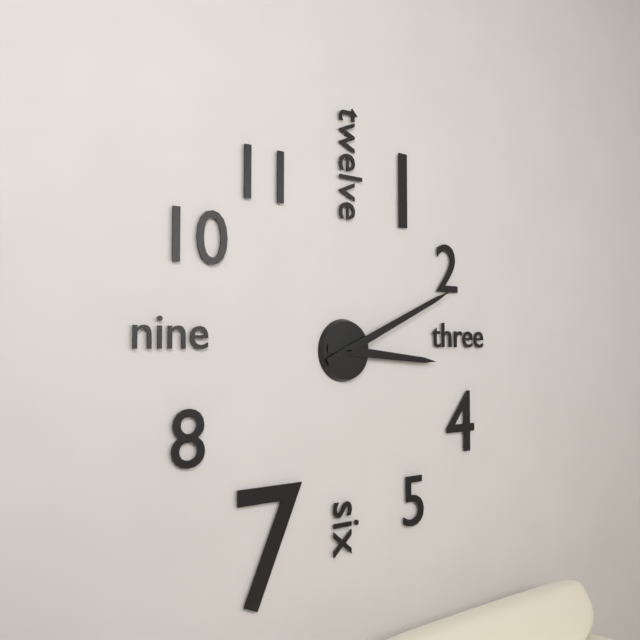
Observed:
3.11
